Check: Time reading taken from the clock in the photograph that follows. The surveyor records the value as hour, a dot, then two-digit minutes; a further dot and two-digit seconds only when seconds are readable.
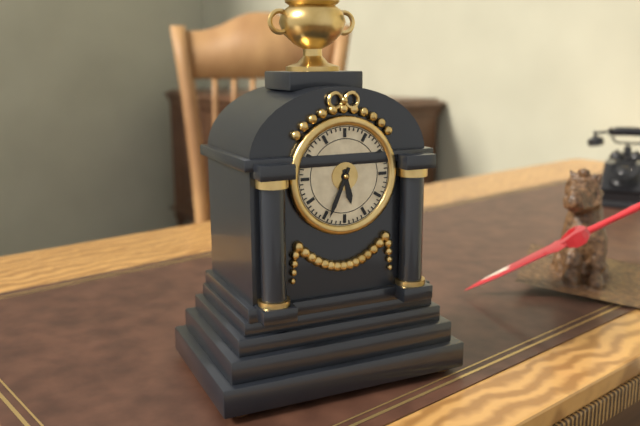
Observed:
5.34
